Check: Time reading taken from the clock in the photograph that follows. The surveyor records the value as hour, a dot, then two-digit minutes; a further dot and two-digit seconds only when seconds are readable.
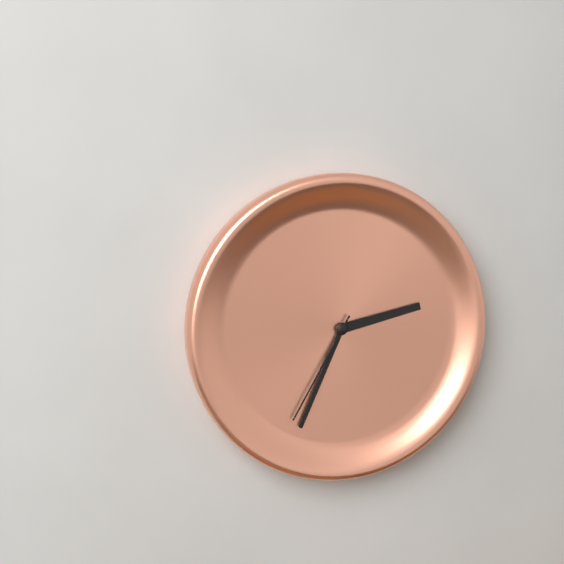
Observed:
2.34.35
